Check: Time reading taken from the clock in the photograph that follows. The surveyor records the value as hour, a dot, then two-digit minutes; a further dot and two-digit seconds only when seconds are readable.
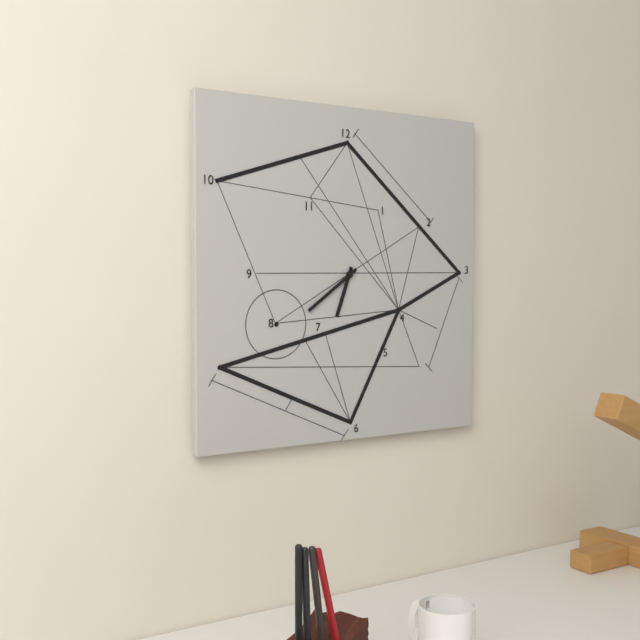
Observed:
6.39
